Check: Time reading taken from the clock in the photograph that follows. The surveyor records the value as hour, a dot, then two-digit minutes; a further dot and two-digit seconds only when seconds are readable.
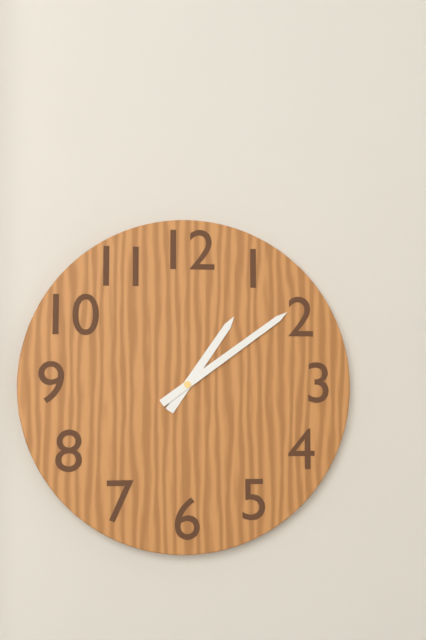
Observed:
1.09
